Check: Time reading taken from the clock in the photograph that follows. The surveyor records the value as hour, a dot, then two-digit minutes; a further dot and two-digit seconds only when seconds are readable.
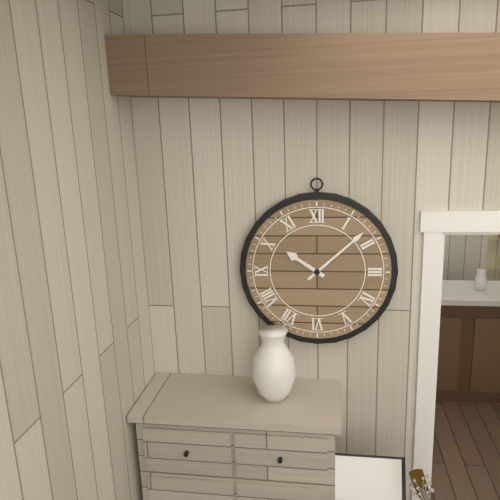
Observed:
10.08
